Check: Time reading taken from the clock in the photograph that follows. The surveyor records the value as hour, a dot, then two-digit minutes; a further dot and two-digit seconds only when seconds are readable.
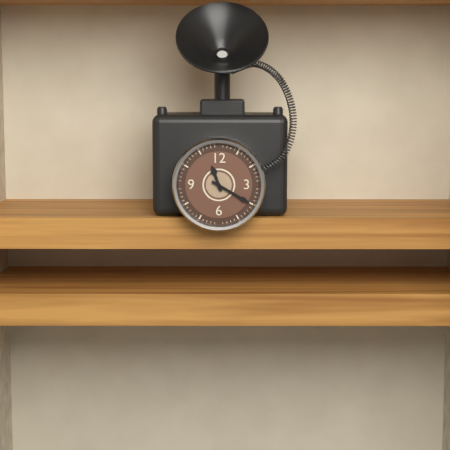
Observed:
11.20
